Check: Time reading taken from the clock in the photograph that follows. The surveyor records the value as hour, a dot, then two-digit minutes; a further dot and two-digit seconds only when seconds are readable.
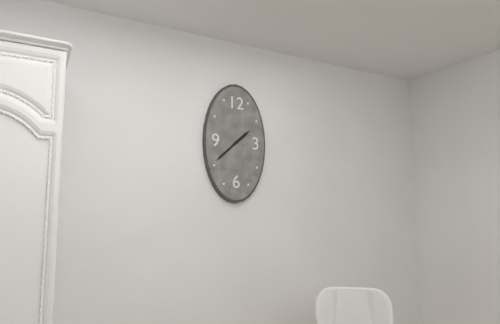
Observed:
1.38
